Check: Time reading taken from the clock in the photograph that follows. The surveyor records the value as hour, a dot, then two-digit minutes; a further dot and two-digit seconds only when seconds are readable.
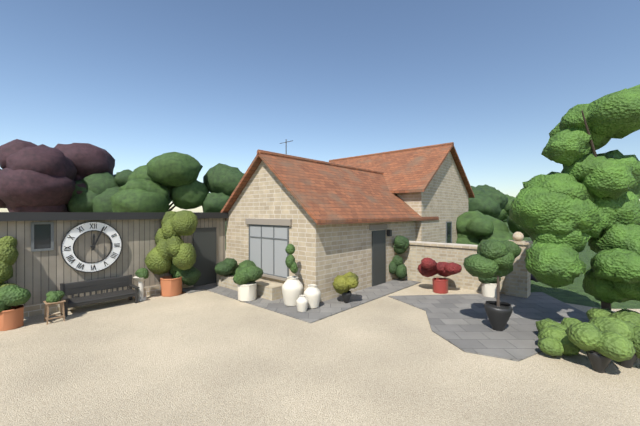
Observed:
12.04
